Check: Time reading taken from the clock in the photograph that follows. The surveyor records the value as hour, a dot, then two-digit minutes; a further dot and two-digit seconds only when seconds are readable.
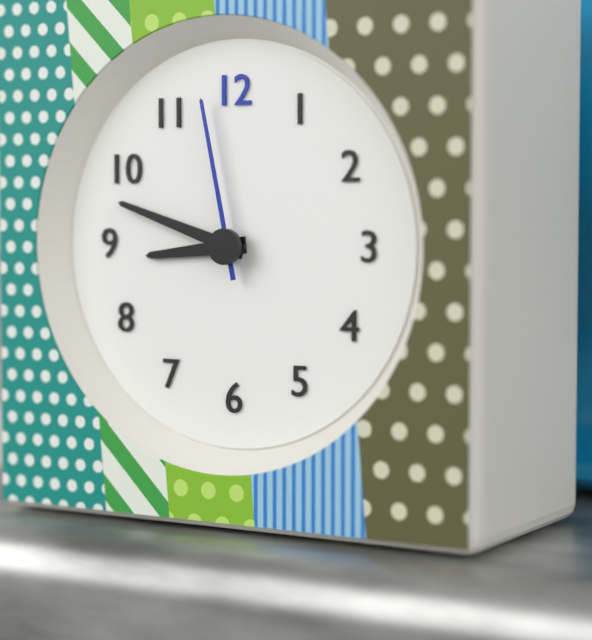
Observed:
8.48.58
